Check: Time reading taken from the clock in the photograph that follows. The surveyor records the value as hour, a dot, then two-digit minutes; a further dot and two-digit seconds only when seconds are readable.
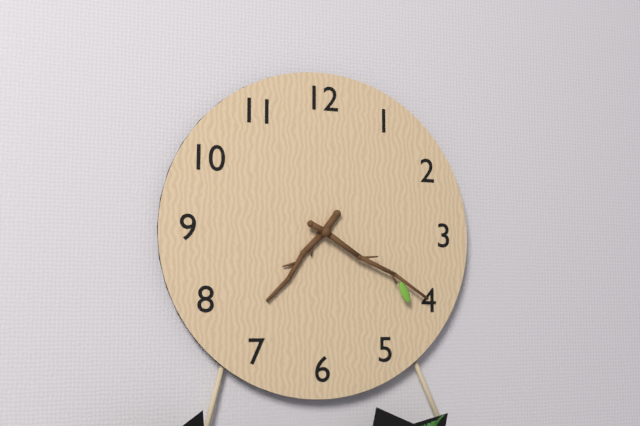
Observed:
7.20
